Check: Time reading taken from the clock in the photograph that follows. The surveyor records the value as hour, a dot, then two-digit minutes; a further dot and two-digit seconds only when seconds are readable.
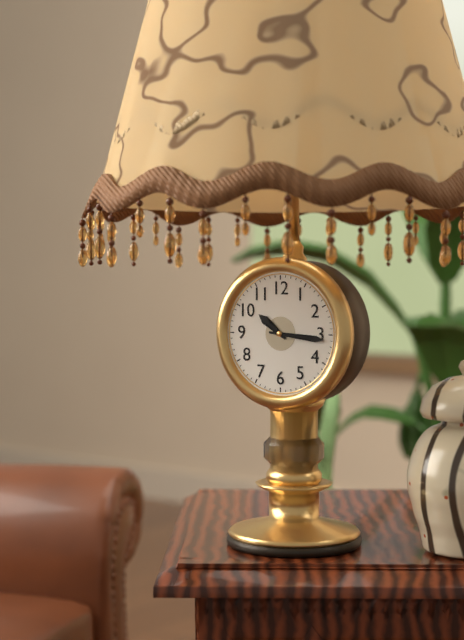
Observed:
10.16
